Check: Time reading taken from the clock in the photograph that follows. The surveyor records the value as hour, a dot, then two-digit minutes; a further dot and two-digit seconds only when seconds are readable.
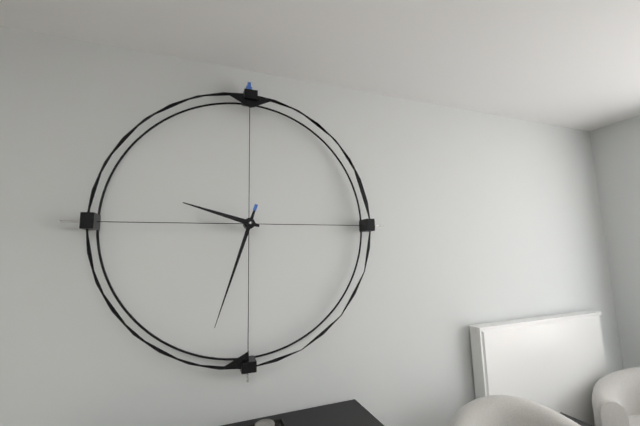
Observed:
9.33
